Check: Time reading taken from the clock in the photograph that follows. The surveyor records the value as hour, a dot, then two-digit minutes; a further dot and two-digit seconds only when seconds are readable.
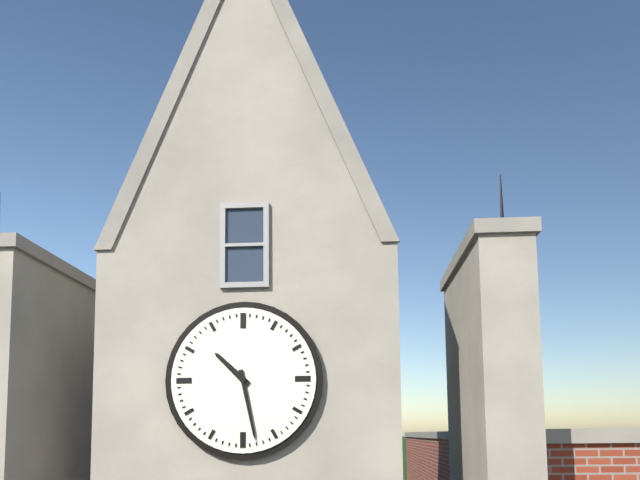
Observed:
10.28
